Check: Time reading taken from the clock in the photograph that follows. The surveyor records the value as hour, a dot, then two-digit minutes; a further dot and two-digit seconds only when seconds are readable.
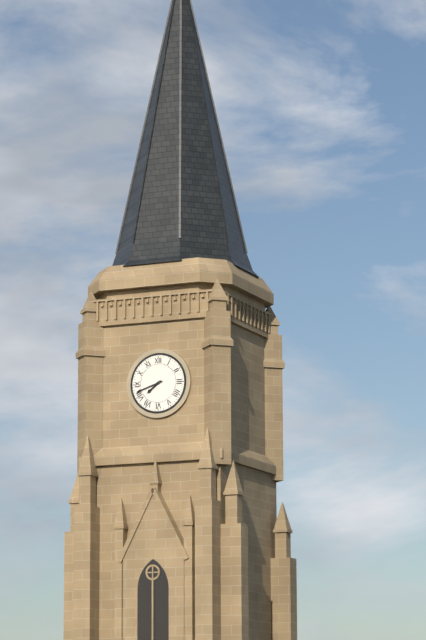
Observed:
7.42
